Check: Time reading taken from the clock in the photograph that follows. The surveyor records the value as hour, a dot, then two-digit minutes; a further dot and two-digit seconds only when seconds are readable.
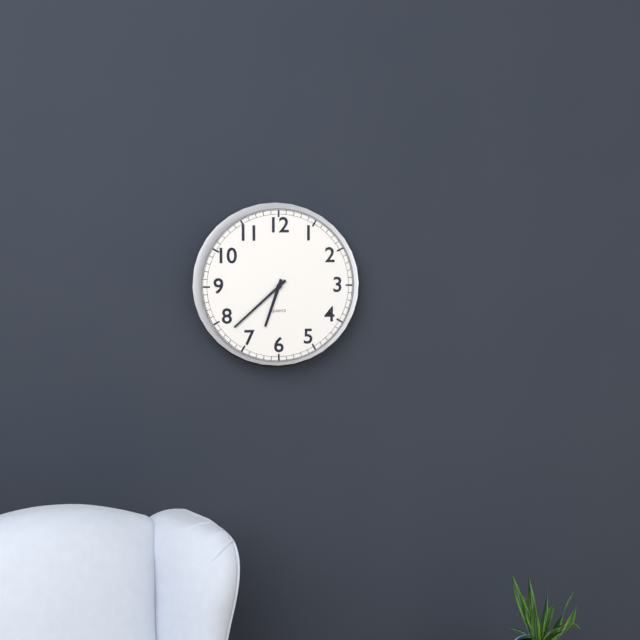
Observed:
6.38
